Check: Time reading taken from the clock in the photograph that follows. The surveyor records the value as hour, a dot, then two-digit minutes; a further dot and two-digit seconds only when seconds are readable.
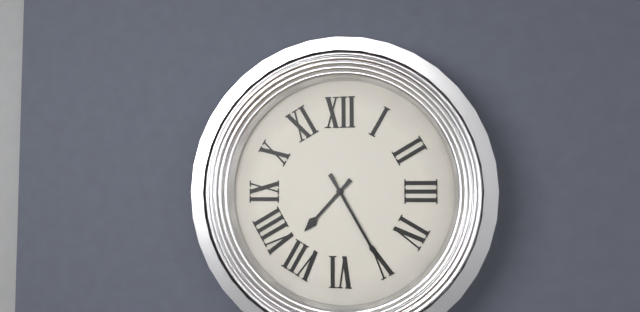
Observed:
7.25
